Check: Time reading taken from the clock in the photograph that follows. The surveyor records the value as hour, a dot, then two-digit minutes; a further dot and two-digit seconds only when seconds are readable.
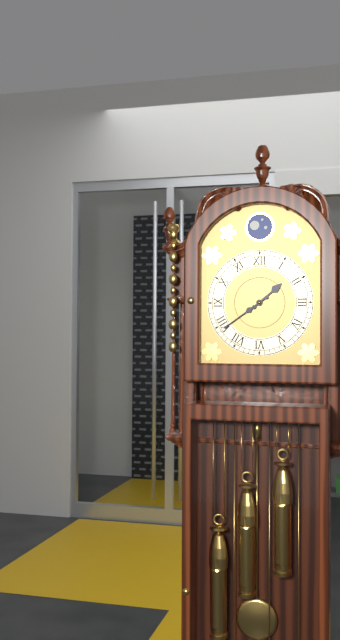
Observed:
1.39
